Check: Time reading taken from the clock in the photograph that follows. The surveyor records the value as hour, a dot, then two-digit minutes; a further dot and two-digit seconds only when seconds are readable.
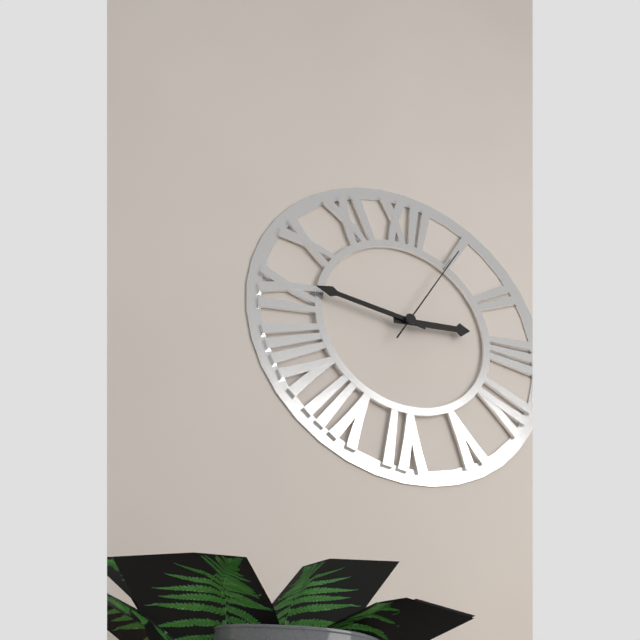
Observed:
2.46.05
